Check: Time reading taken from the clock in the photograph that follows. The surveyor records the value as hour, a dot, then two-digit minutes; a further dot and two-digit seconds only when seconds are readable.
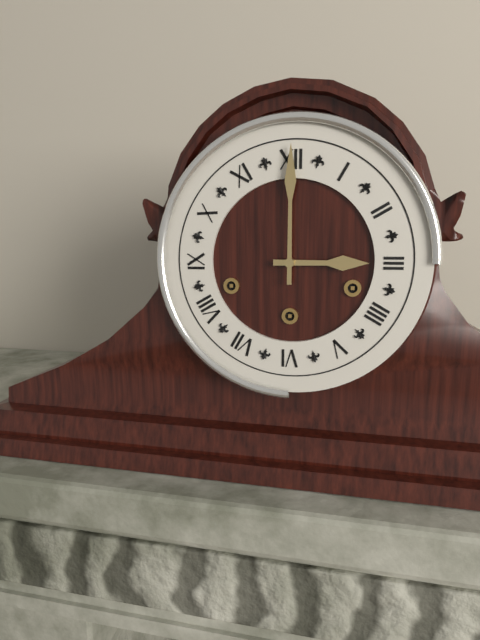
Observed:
3.00
